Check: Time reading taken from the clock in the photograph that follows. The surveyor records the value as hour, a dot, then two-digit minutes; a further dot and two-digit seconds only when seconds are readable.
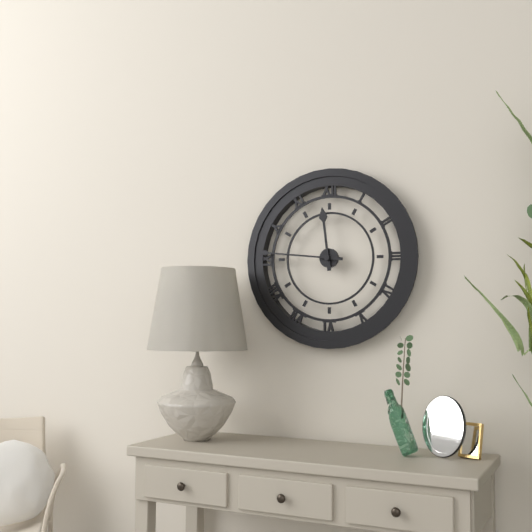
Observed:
11.46
